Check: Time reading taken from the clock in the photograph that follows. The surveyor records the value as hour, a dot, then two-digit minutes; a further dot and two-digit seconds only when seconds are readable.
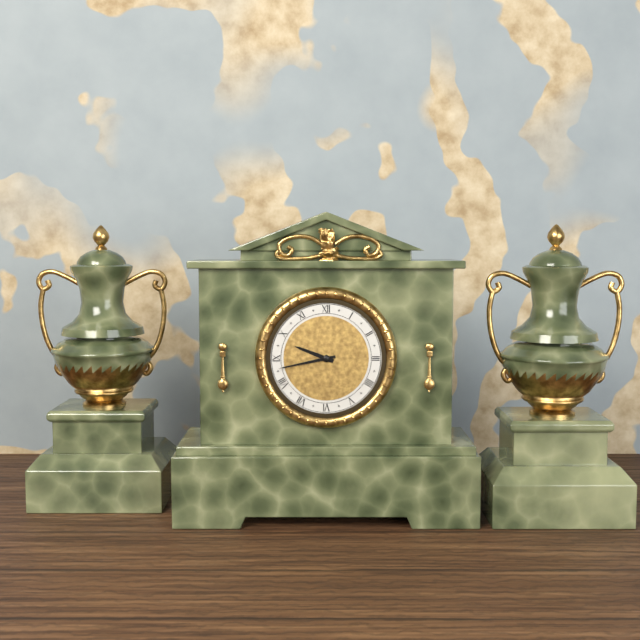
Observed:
9.43
